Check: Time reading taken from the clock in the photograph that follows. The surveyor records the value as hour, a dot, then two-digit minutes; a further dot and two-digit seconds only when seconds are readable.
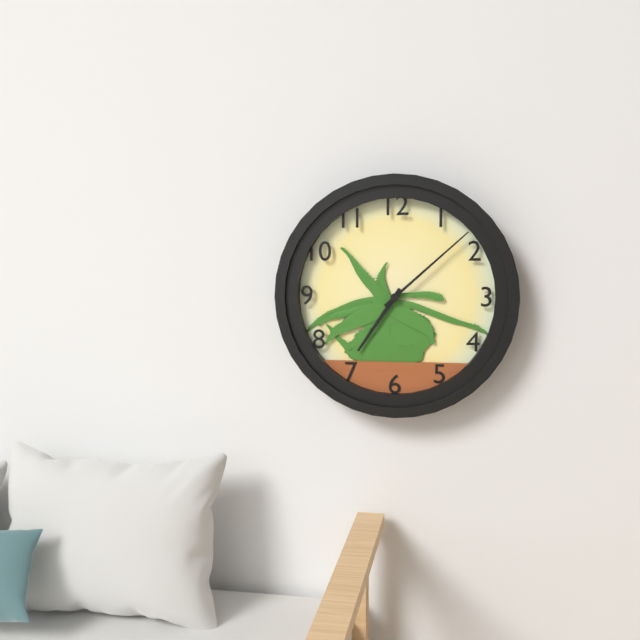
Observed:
7.08
